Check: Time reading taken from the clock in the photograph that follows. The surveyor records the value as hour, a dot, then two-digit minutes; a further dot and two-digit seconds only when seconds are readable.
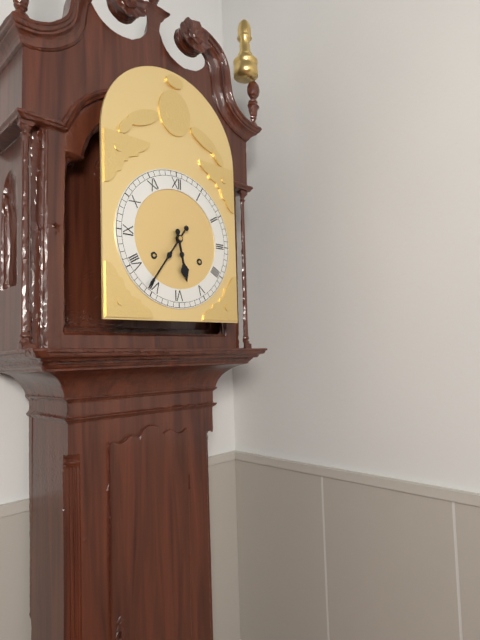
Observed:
5.36
